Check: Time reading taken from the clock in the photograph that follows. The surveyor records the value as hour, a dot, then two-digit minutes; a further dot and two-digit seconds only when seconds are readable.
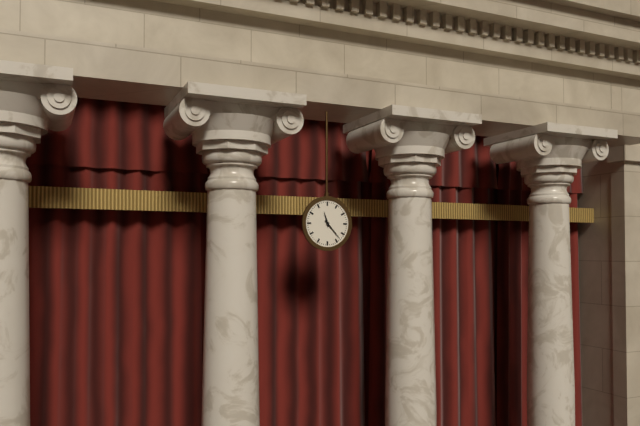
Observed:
11.23
